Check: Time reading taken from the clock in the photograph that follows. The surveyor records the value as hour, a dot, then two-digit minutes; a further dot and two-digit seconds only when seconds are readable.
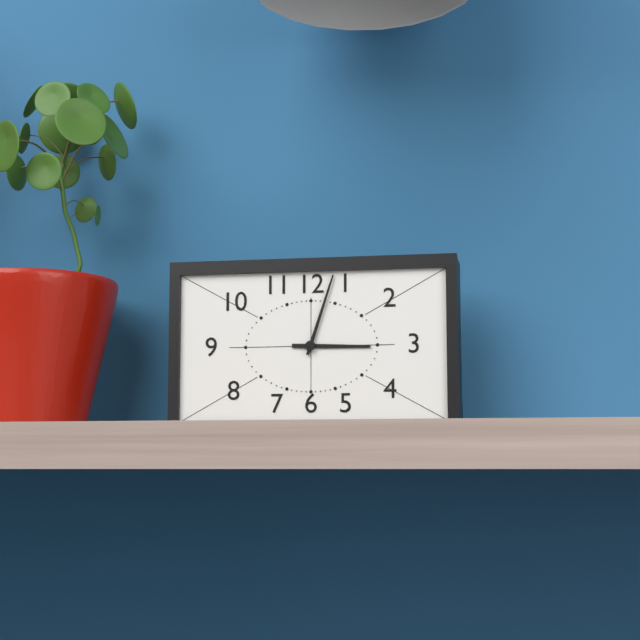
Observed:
3.03
